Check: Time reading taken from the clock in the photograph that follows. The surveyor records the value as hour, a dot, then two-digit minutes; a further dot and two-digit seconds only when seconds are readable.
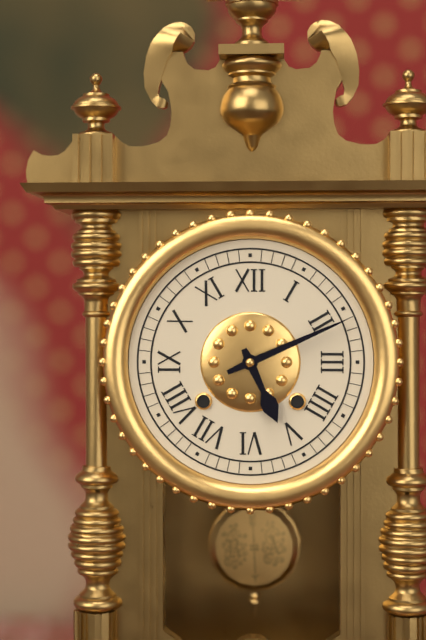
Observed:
5.11
